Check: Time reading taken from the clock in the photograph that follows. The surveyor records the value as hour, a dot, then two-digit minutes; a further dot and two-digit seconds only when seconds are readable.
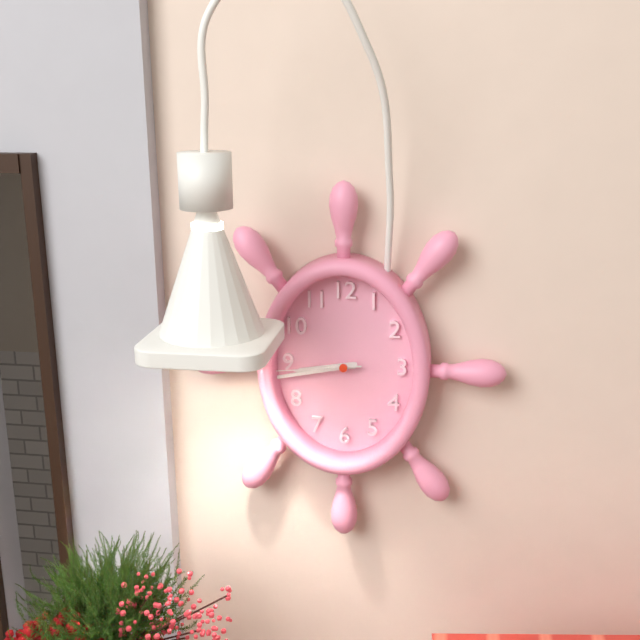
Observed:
8.43.44
